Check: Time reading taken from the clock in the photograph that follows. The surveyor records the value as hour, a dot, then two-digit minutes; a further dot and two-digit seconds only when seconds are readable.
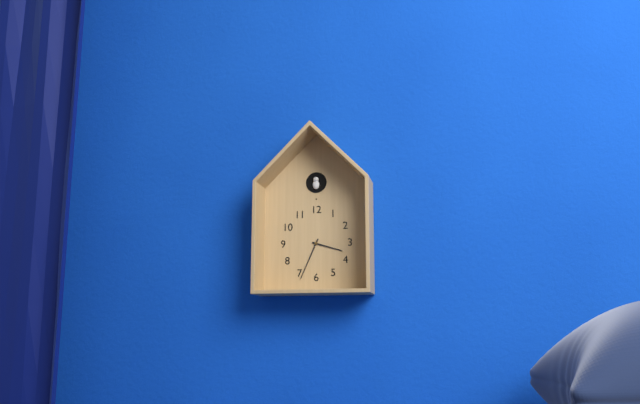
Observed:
3.34
